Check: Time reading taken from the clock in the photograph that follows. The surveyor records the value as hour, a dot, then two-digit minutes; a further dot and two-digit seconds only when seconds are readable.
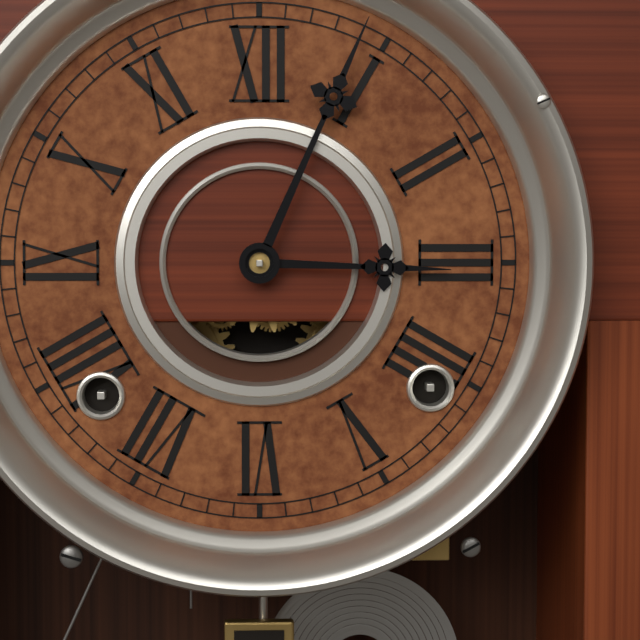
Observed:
3.04
